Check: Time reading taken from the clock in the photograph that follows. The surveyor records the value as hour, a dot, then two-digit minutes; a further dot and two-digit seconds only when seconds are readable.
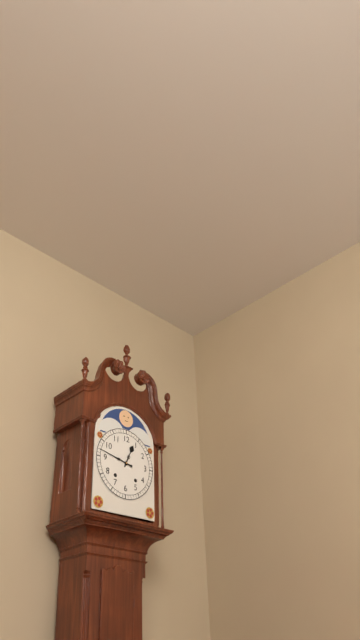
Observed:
12.47
